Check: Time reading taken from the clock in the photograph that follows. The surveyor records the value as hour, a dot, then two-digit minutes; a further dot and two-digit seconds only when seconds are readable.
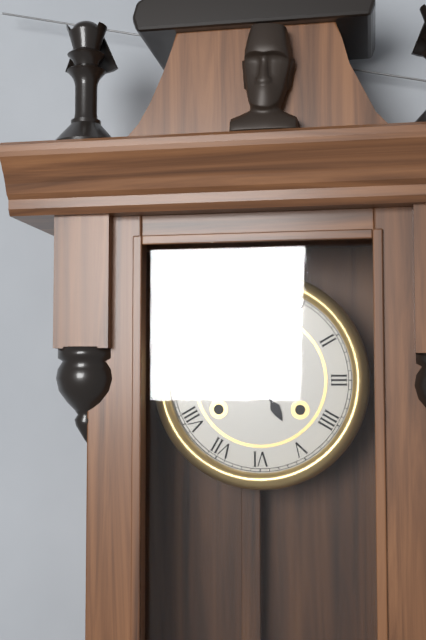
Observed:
5.02
